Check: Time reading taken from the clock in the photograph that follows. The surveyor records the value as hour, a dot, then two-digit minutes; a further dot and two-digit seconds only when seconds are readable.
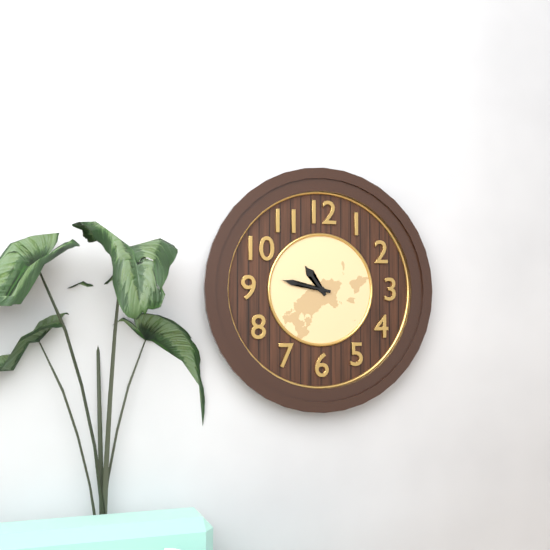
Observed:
10.47
